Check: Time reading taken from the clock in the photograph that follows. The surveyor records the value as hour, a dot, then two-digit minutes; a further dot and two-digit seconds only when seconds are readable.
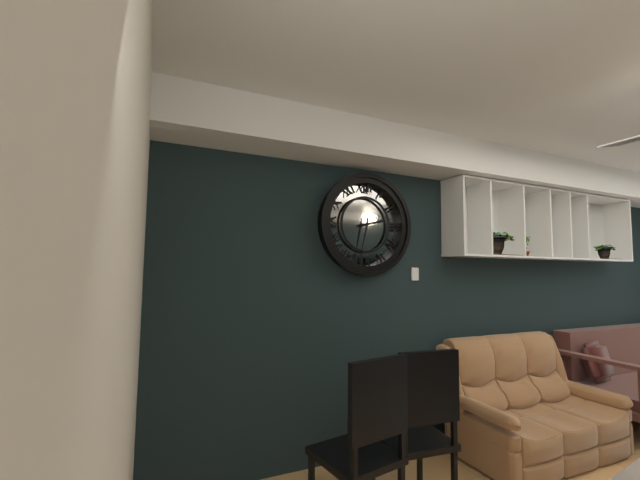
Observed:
2.32
